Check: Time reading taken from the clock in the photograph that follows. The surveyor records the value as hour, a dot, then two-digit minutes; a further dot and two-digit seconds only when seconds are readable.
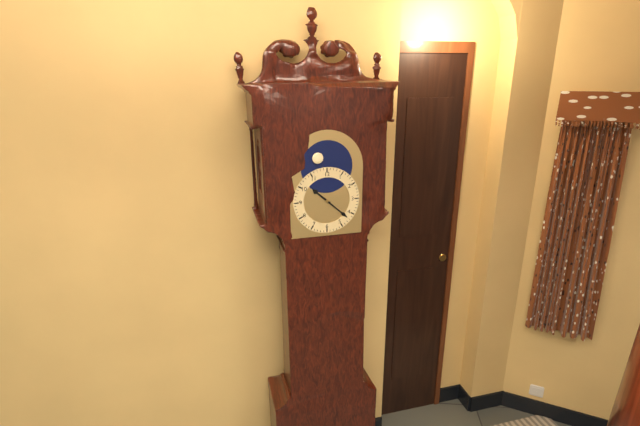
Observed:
10.22
